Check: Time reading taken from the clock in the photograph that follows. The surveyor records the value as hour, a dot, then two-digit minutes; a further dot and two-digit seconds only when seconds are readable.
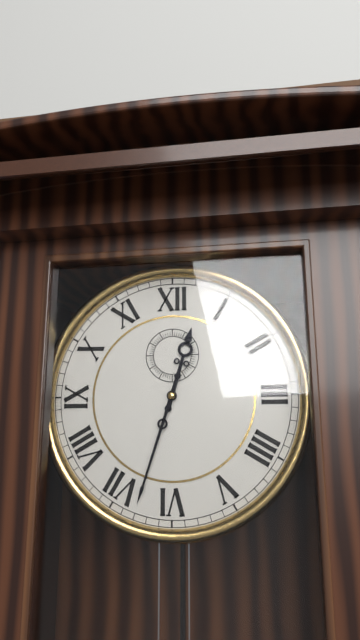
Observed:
12.33
